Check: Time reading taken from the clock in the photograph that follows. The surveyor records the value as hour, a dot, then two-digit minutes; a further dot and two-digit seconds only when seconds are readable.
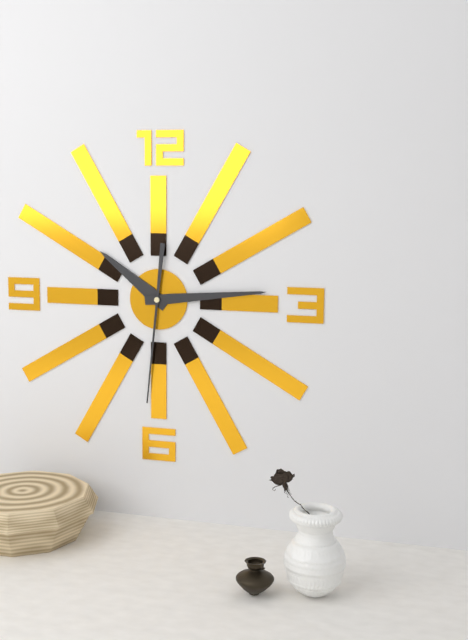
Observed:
10.14.31
